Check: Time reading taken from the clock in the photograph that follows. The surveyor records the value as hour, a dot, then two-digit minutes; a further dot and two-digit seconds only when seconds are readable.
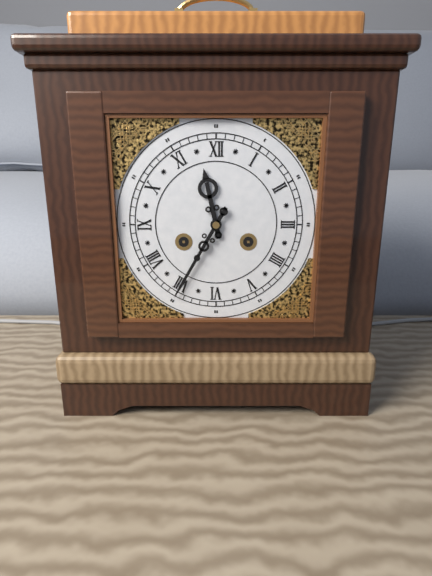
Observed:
11.35
